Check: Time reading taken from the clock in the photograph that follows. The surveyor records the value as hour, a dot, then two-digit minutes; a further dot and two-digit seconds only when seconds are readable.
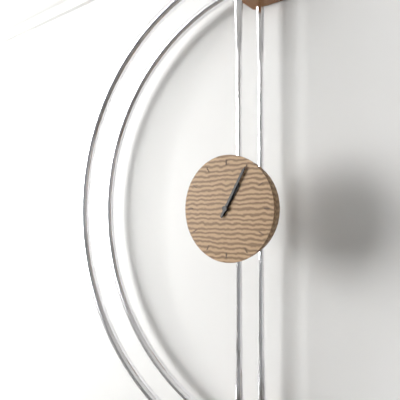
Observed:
1.05
